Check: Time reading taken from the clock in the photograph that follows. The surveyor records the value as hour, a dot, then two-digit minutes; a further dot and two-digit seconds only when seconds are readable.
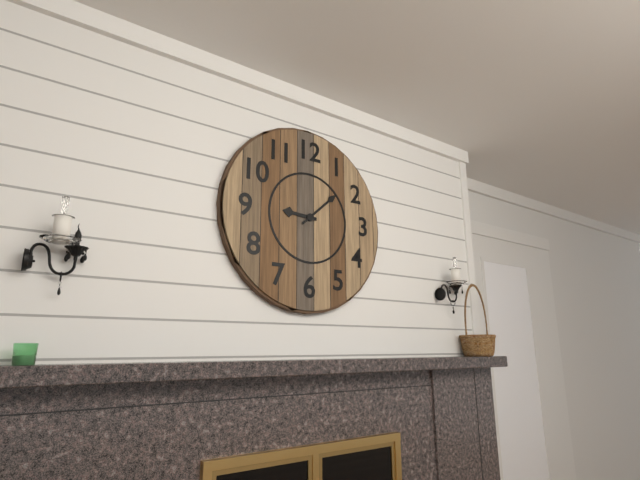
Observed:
9.08
